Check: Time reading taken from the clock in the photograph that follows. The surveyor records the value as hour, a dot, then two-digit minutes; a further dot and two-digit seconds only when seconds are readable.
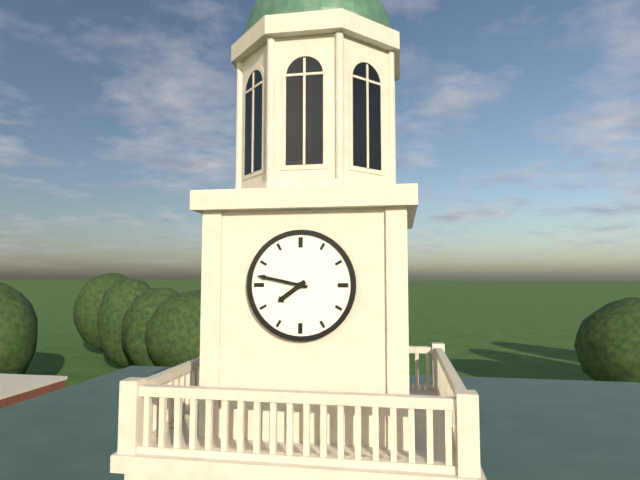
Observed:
7.47
